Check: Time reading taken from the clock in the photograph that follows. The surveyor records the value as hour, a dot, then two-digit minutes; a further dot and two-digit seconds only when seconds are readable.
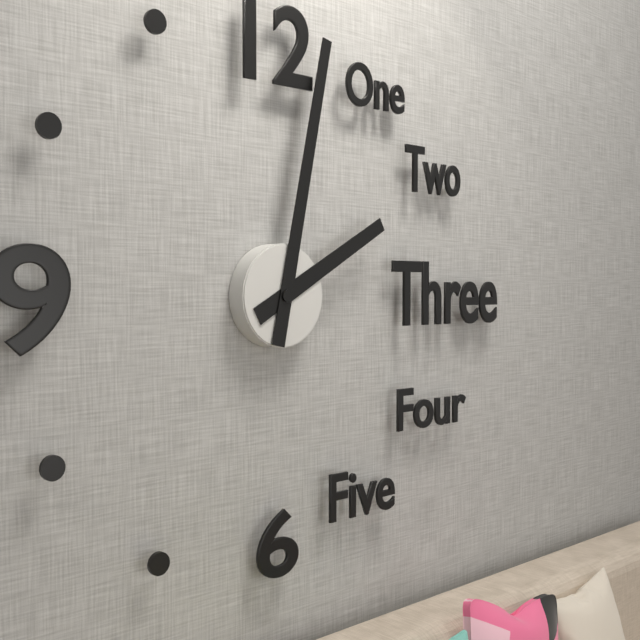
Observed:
2.02
